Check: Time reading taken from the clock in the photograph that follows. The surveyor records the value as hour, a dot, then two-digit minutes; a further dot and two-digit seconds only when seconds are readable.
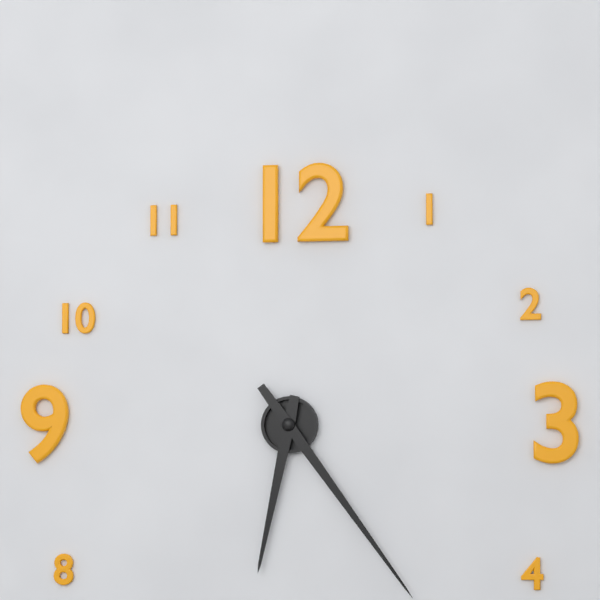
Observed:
6.24
